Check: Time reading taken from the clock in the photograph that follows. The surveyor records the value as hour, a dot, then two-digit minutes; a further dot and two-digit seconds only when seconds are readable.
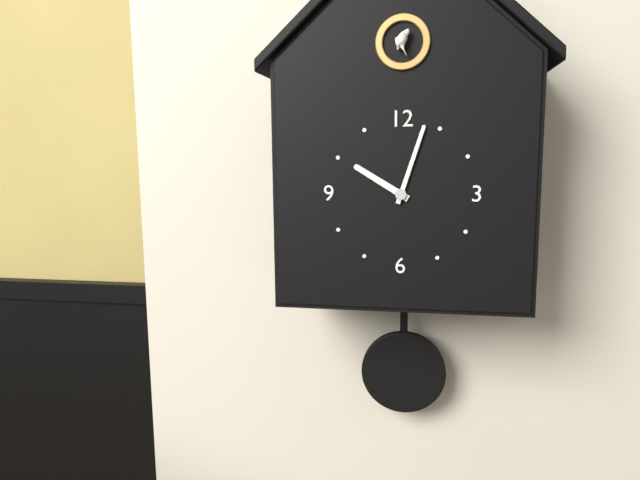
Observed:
10.03
